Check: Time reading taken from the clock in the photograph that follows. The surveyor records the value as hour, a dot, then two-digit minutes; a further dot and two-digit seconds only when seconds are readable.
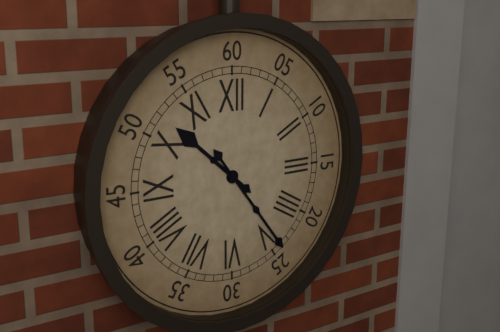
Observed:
10.24
